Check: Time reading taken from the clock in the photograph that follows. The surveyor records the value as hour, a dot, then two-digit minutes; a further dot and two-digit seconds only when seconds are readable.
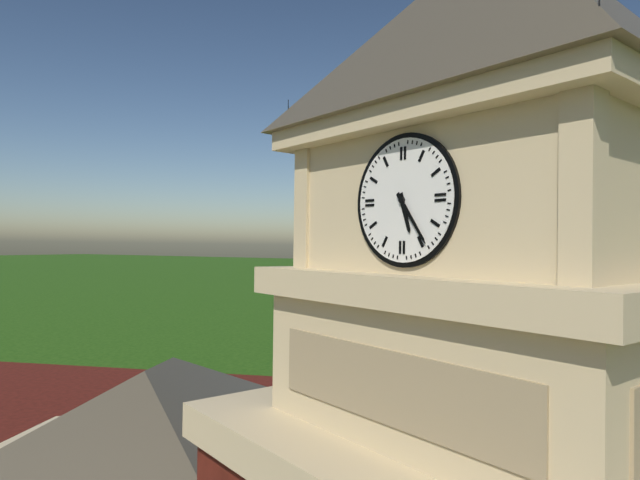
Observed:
5.24
